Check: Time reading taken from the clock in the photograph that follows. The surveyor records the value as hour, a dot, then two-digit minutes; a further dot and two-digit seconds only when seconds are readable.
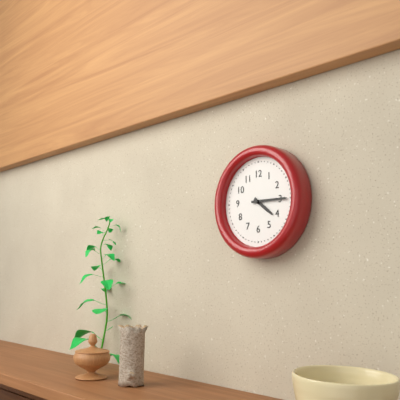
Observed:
4.15
